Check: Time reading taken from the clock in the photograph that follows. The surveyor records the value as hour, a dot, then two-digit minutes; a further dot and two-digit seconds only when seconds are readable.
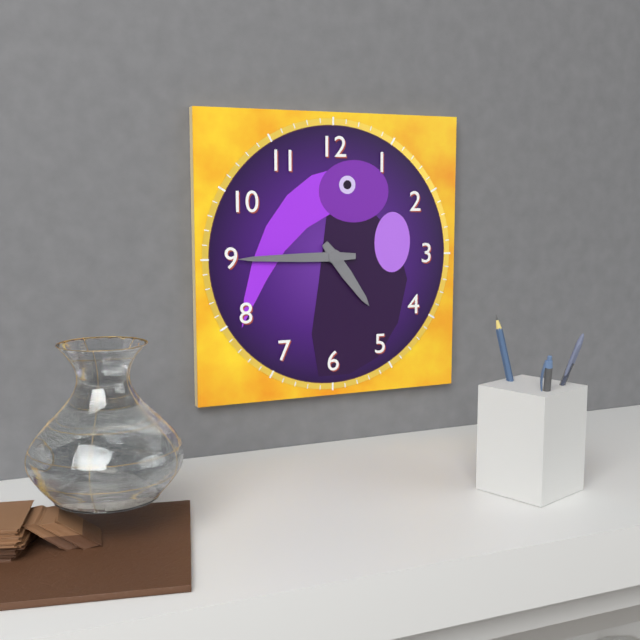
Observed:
4.45
